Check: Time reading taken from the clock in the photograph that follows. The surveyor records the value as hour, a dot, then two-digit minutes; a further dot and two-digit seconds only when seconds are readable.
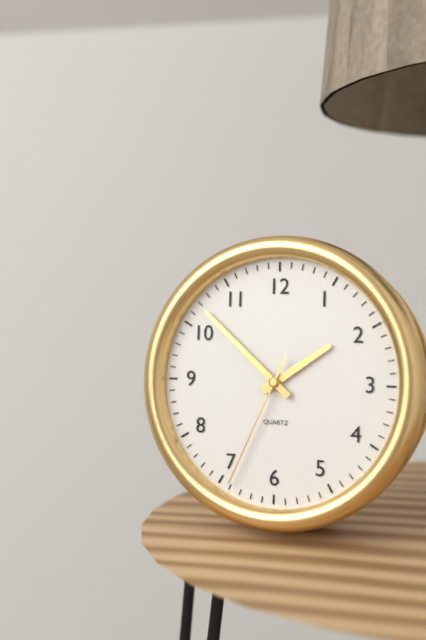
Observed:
1.52.34
